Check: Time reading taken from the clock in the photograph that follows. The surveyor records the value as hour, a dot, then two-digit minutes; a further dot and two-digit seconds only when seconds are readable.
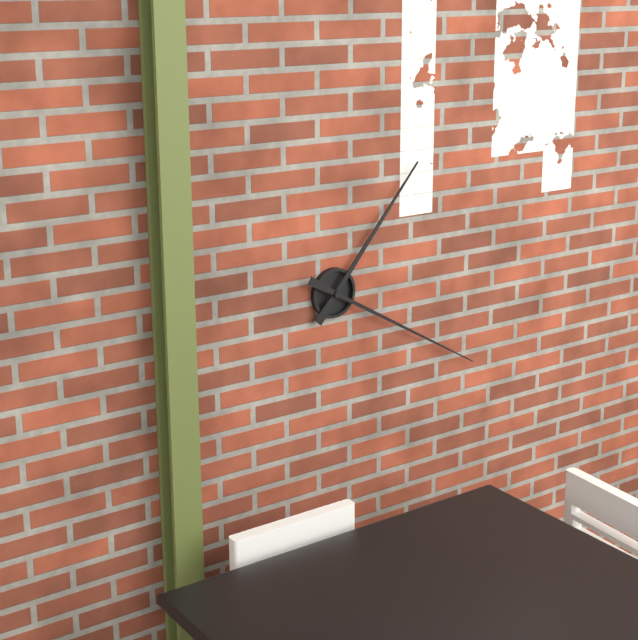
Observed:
1.20
